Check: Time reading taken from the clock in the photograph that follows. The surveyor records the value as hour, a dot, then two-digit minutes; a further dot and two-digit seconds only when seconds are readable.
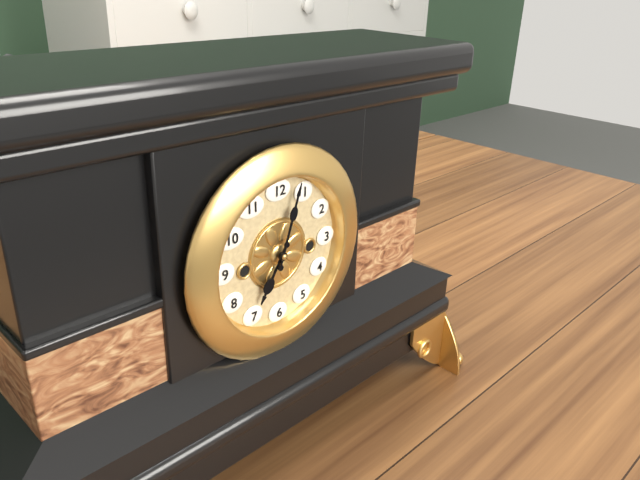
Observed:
7.03
